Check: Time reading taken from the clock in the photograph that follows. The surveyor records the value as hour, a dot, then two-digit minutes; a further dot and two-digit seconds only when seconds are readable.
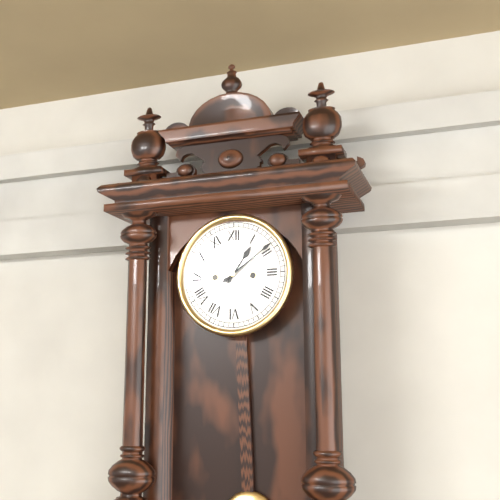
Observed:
1.09
